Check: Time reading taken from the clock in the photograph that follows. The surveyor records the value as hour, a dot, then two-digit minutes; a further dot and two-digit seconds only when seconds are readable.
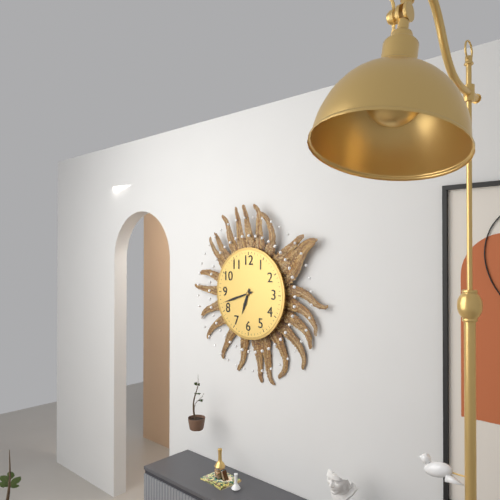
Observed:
6.42
